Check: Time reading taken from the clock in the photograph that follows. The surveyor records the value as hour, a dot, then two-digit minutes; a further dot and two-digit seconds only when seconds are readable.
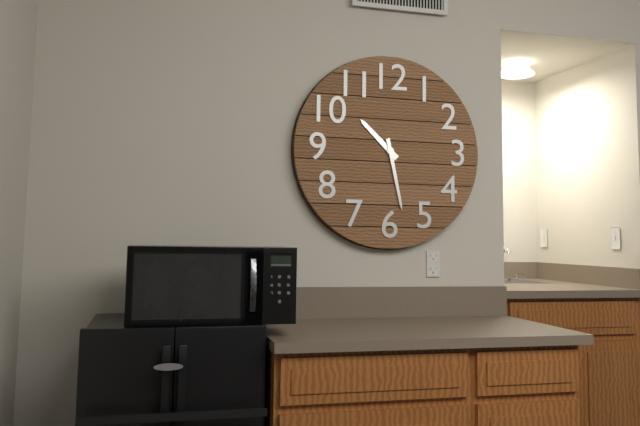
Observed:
10.28
